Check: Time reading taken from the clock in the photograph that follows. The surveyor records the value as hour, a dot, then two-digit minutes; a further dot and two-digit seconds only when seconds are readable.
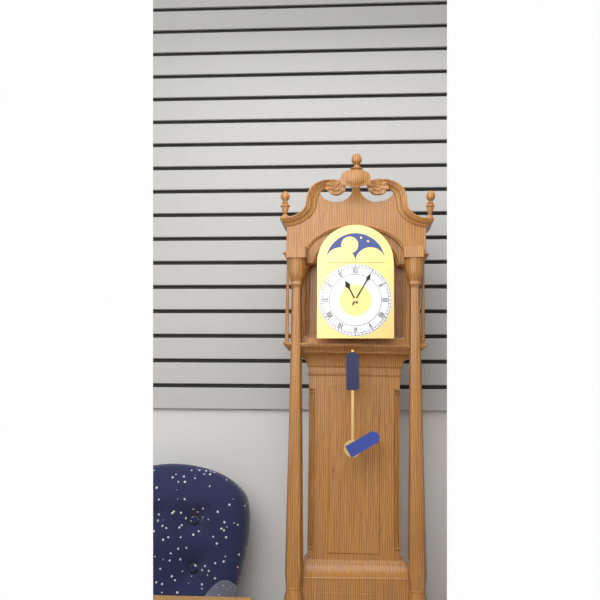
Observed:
11.05
